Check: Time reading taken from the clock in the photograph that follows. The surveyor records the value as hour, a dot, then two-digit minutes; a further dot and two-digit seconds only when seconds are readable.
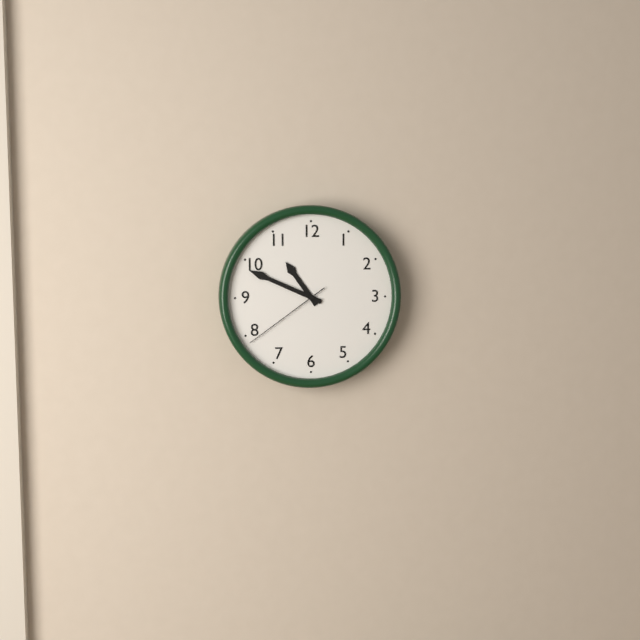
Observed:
10.49.39
